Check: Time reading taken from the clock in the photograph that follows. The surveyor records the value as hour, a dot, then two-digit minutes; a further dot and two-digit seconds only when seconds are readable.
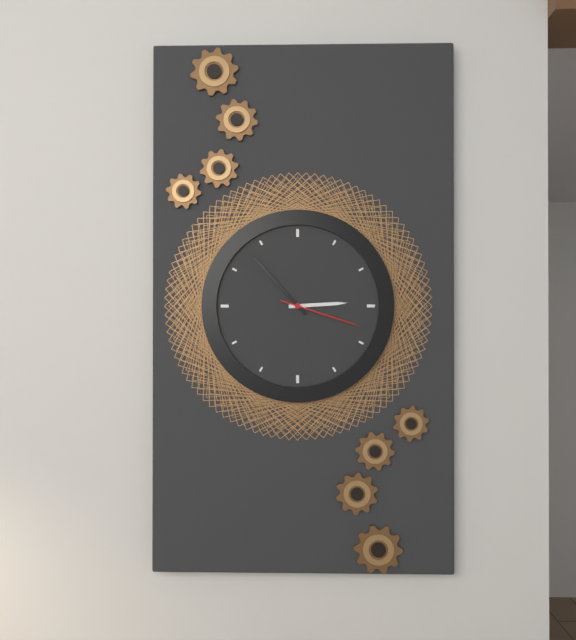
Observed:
2.53.18
